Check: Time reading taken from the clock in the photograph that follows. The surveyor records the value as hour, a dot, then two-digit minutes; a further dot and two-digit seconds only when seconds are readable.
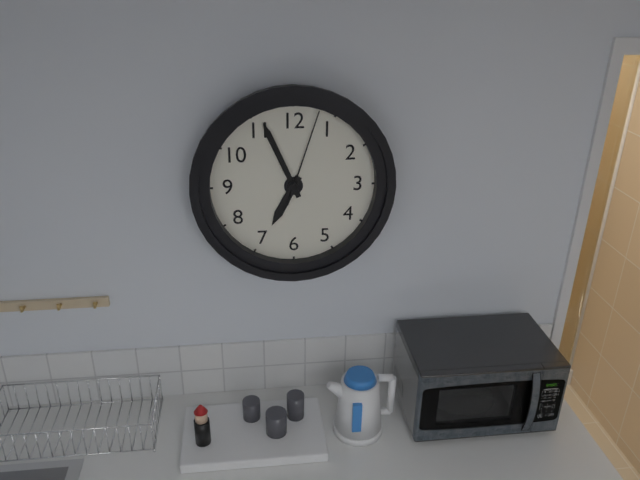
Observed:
6.56.03
